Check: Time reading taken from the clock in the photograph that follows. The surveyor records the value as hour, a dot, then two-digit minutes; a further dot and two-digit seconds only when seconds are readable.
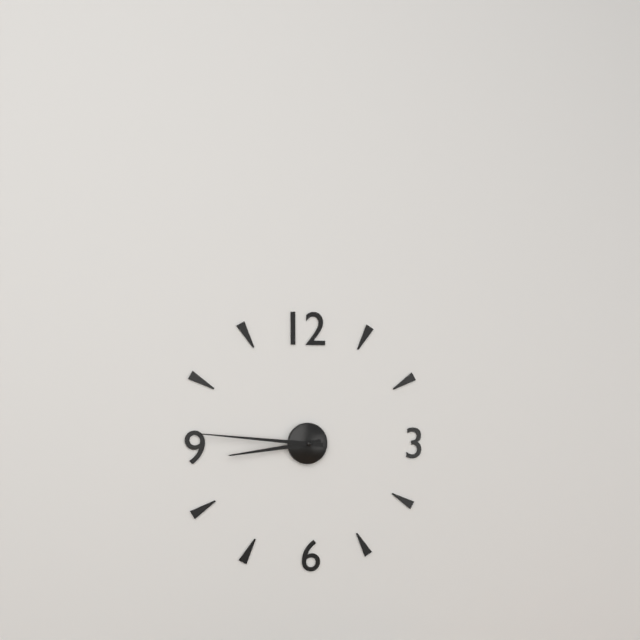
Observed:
8.46
